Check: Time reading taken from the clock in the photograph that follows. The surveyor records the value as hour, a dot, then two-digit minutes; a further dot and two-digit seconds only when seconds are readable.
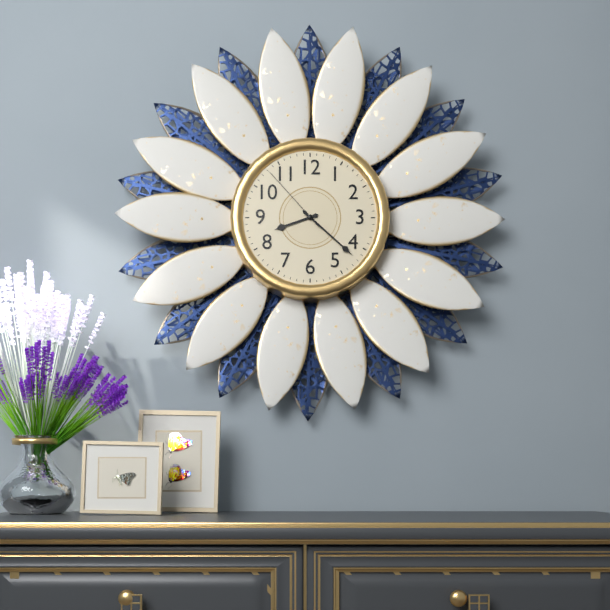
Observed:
8.22.53
